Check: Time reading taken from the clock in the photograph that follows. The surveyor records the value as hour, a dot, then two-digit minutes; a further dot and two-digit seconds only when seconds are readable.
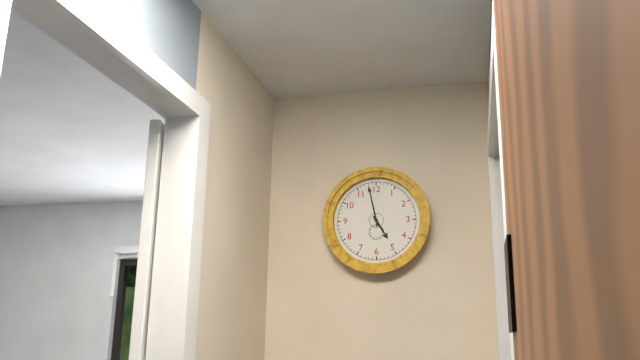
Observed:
4.58
